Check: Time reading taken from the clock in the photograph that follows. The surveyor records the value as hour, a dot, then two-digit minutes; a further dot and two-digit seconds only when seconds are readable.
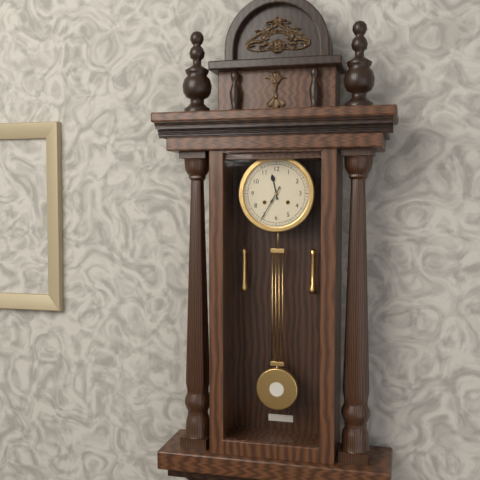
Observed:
11.35
